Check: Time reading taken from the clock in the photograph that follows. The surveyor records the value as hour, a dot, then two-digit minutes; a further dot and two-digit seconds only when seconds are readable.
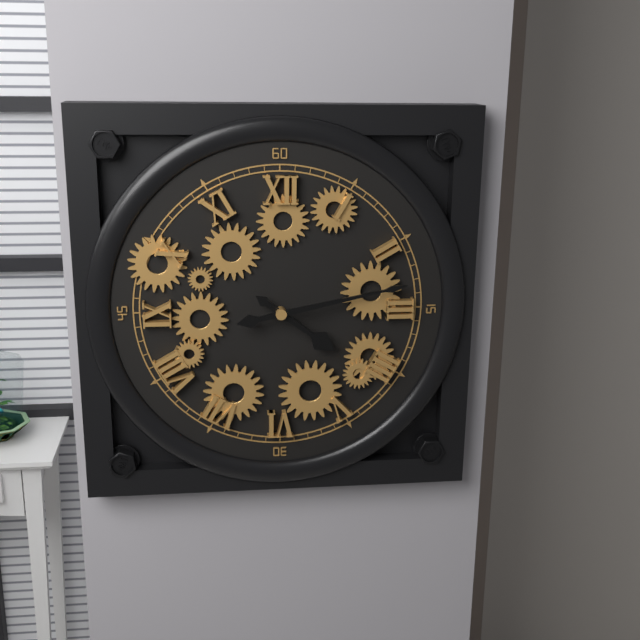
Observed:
4.13
